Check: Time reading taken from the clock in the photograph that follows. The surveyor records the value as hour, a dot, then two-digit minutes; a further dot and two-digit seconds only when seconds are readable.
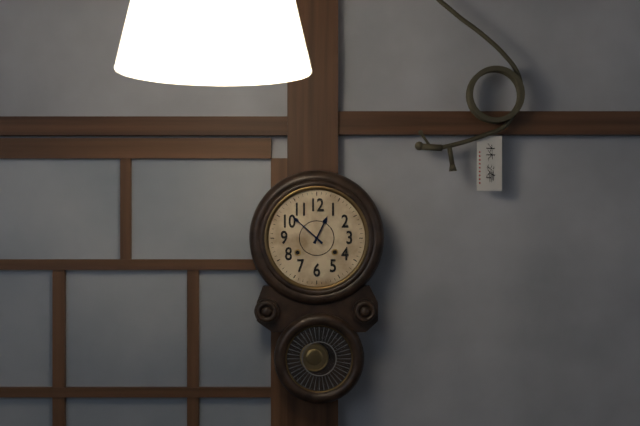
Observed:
12.52
